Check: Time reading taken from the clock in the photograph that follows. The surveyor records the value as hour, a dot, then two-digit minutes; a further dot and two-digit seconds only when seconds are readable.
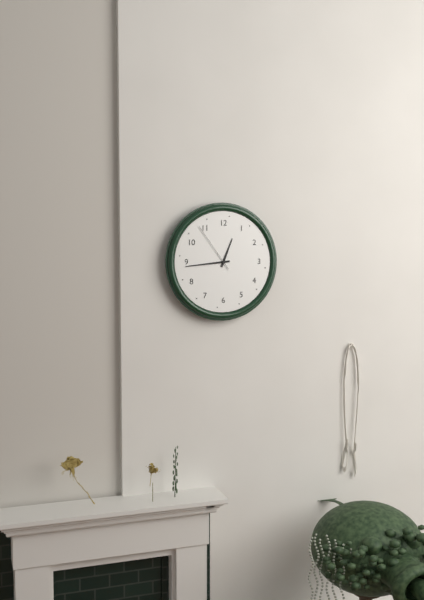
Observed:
12.44.54
